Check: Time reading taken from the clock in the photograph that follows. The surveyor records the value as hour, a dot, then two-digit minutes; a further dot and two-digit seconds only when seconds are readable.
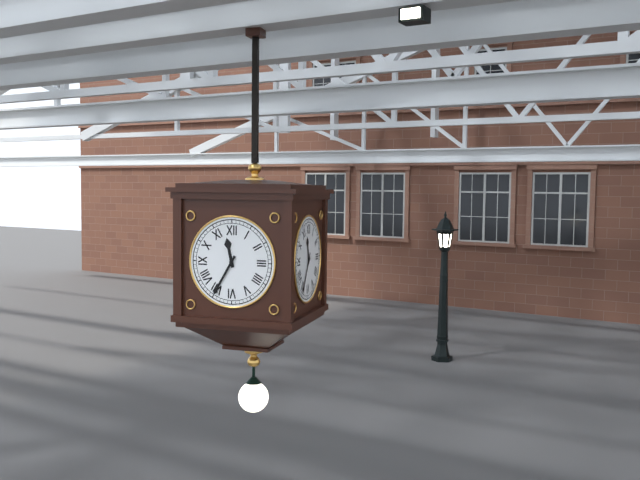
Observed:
11.35
